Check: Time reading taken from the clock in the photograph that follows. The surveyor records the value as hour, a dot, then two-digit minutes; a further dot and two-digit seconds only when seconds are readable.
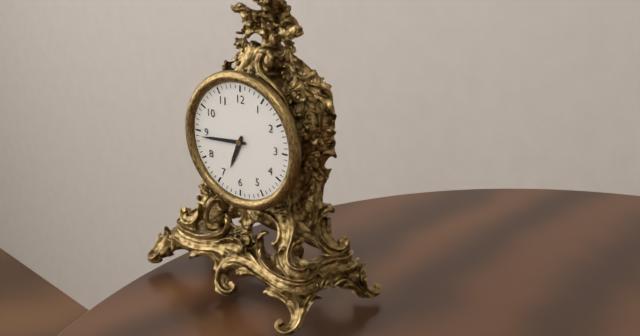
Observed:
6.44
